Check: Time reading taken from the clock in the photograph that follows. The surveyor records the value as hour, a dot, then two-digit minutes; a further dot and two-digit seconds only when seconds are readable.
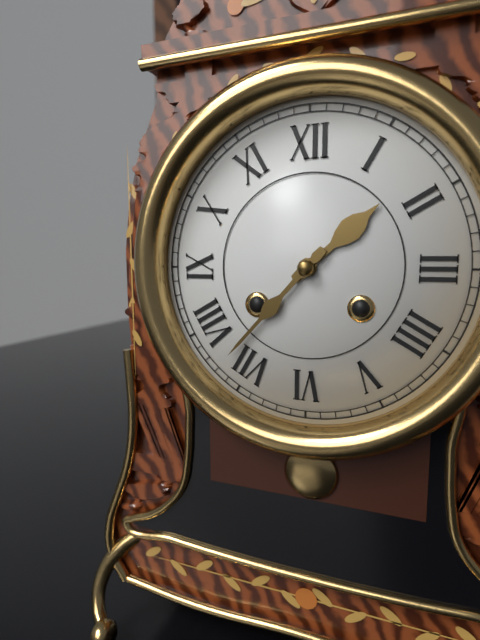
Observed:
1.37
